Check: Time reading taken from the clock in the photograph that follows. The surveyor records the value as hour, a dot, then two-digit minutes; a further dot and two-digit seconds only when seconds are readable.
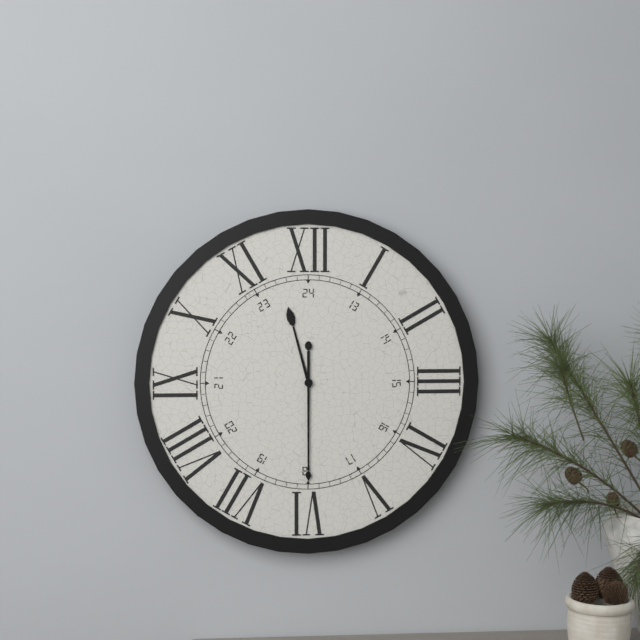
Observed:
11.30
